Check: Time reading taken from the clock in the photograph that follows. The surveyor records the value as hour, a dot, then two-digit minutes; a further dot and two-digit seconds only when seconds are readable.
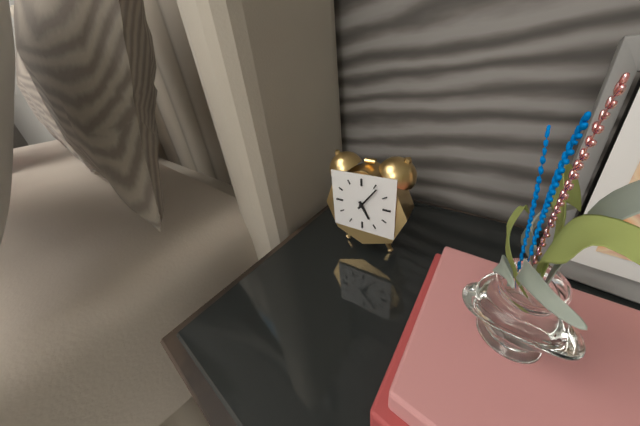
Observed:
5.06
